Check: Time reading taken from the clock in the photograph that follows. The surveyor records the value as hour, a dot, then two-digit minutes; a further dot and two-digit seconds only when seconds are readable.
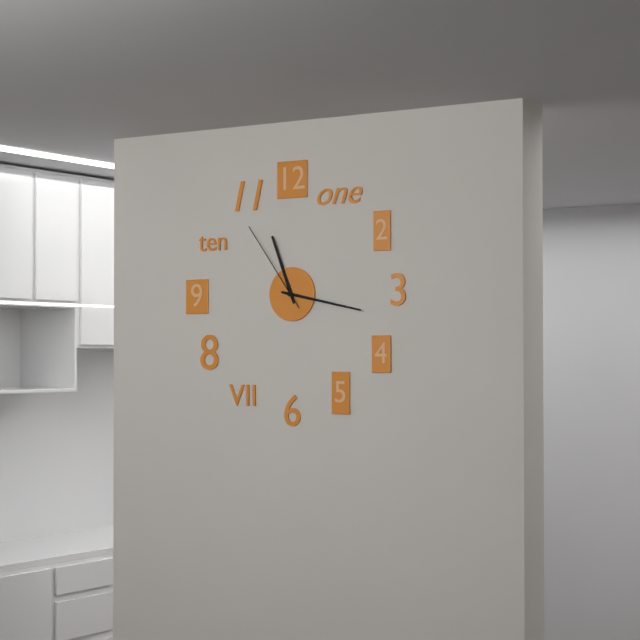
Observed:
11.17.54
